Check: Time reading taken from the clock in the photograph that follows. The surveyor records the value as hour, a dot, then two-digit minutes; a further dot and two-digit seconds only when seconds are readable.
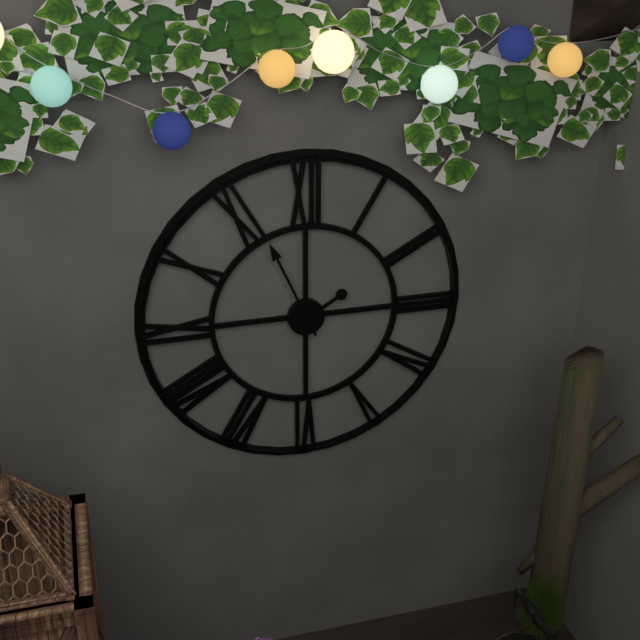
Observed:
1.56
